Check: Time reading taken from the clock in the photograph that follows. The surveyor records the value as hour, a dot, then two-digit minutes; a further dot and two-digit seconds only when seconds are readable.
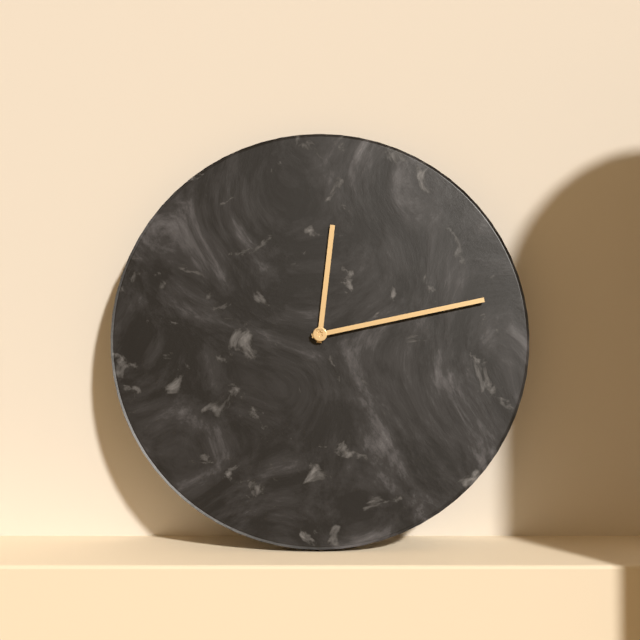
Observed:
12.13
